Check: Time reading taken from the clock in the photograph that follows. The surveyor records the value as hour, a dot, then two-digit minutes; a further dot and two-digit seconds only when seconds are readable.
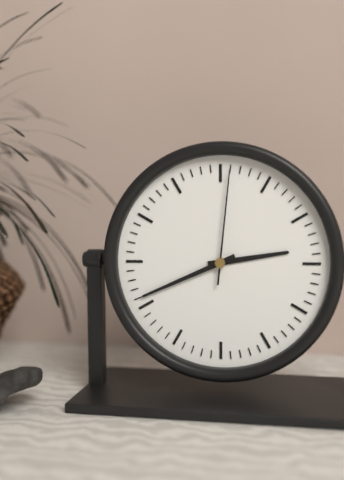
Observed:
2.41.01
